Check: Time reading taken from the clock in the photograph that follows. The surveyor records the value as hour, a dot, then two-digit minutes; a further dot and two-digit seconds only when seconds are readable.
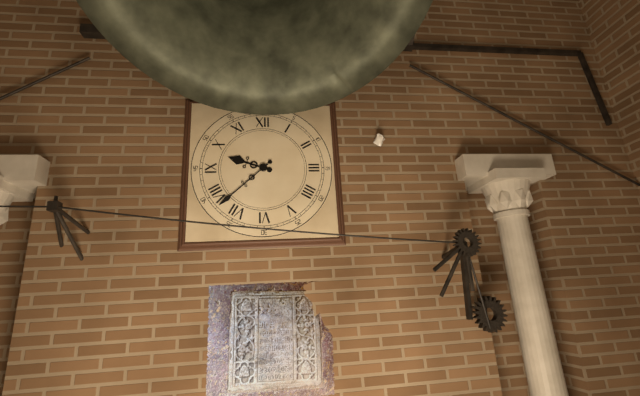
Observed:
9.38
